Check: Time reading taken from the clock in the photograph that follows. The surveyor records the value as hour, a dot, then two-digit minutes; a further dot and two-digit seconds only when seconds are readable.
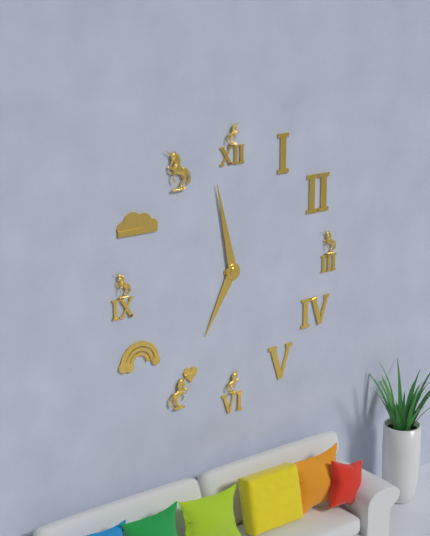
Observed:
6.58
